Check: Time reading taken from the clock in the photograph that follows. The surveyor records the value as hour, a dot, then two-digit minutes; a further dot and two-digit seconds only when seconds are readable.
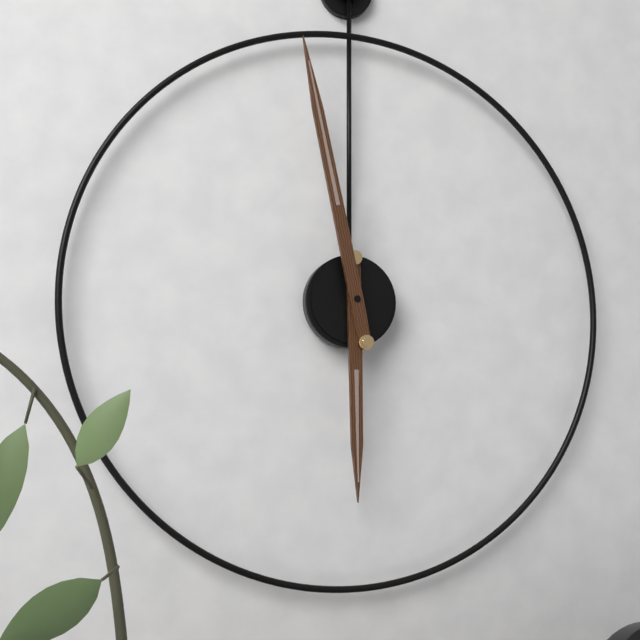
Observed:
5.58
